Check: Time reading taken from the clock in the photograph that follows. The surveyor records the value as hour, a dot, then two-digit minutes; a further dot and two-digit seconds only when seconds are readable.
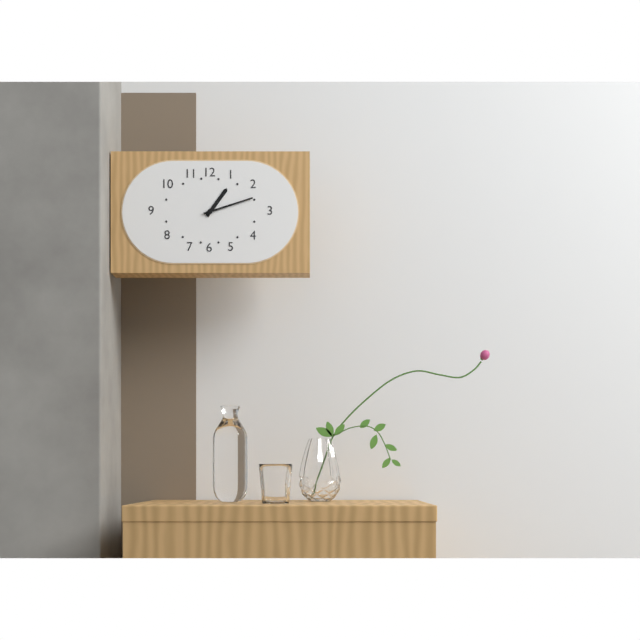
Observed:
1.12
